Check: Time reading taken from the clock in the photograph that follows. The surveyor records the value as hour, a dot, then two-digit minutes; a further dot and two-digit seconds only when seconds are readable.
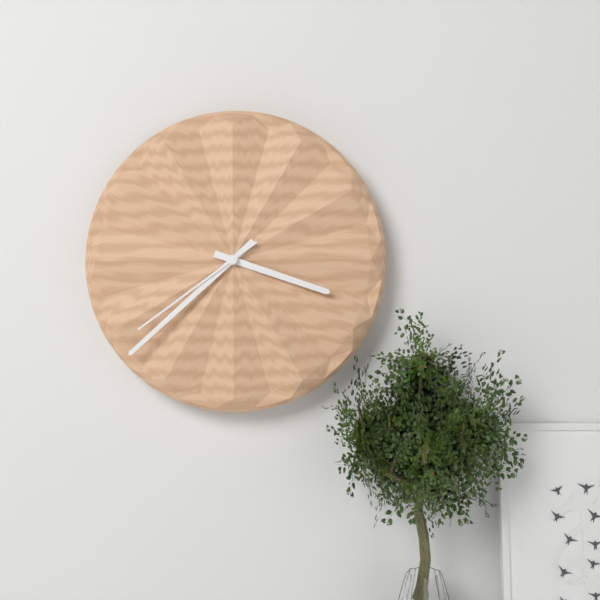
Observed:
3.38.39
